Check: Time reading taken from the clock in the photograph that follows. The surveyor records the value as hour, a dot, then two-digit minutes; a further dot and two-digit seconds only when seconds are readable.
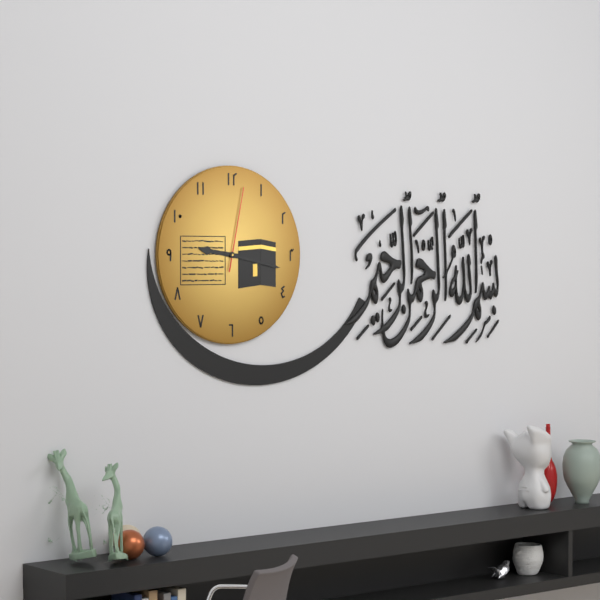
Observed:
9.17.02
